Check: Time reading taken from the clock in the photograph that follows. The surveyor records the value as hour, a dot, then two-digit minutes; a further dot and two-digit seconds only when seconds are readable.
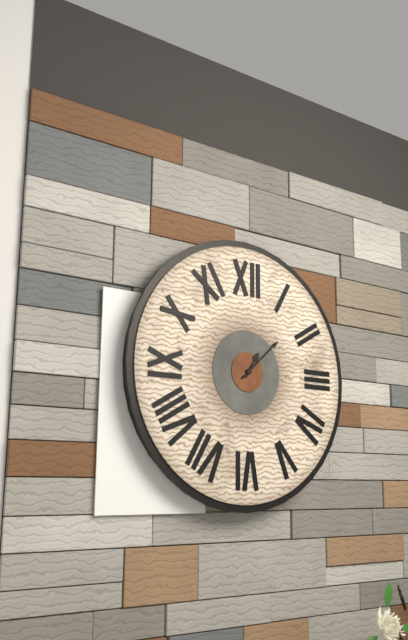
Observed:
1.08
